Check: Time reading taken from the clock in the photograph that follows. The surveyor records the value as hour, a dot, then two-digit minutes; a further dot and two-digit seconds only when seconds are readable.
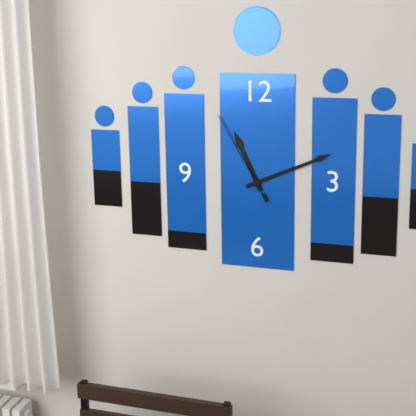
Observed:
11.11.55
